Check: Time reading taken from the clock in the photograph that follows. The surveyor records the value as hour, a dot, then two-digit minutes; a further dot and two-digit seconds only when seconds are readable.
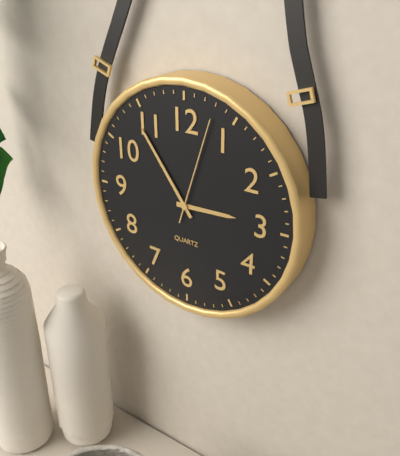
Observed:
2.54.03
